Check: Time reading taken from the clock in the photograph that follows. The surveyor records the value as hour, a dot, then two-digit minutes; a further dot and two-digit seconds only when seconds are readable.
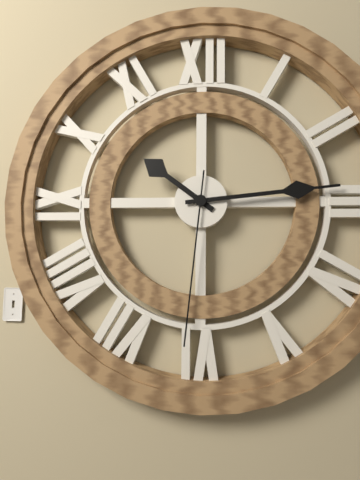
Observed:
10.14.31
